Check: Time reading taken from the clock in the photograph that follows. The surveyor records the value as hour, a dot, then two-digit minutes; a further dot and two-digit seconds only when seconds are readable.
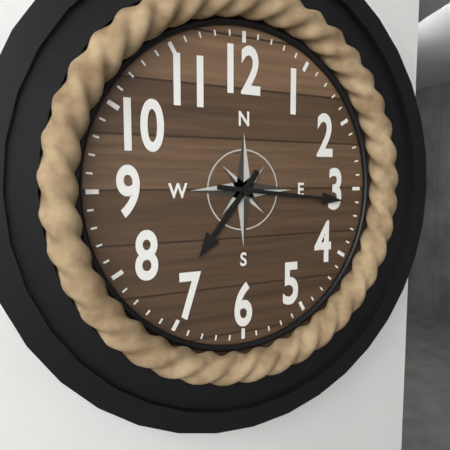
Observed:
7.16
